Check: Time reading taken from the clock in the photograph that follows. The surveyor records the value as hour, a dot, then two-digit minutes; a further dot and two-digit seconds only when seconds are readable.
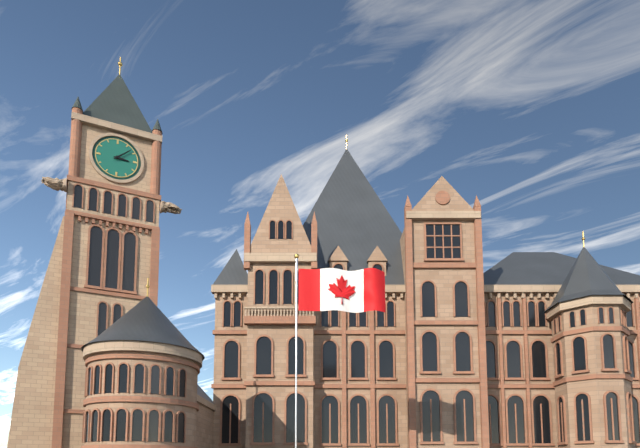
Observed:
3.08
